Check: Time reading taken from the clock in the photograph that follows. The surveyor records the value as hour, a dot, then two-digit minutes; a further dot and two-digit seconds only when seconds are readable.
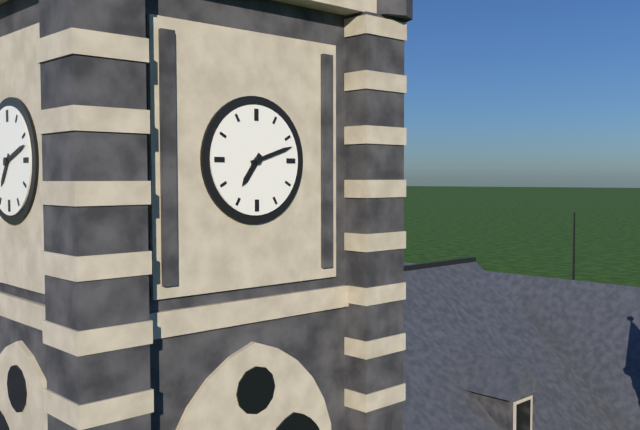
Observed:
7.12
